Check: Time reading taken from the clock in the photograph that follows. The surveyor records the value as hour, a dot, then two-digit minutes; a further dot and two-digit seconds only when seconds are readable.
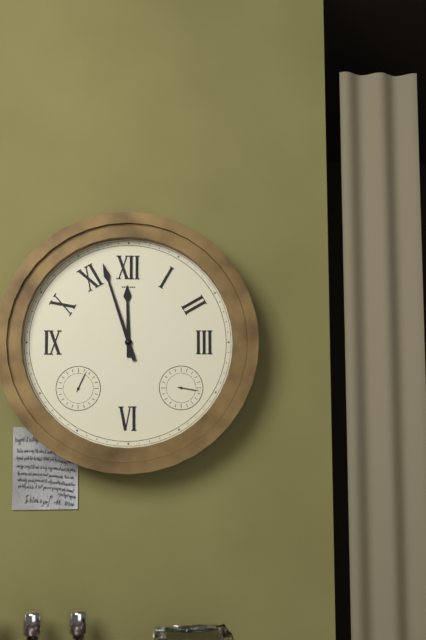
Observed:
11.57
